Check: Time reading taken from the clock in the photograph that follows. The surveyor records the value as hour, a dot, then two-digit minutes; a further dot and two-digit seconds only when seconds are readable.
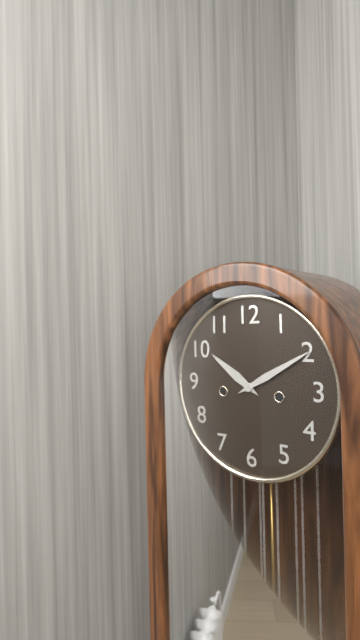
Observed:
10.10
